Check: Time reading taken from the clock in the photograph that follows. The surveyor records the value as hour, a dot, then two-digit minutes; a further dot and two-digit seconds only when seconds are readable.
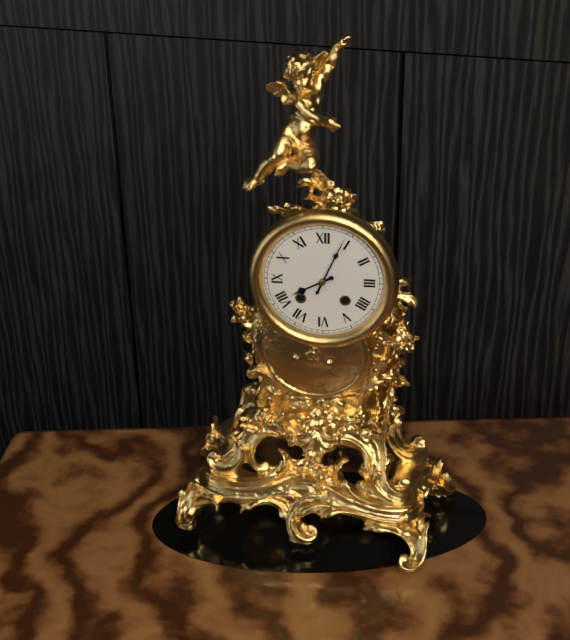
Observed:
8.04
